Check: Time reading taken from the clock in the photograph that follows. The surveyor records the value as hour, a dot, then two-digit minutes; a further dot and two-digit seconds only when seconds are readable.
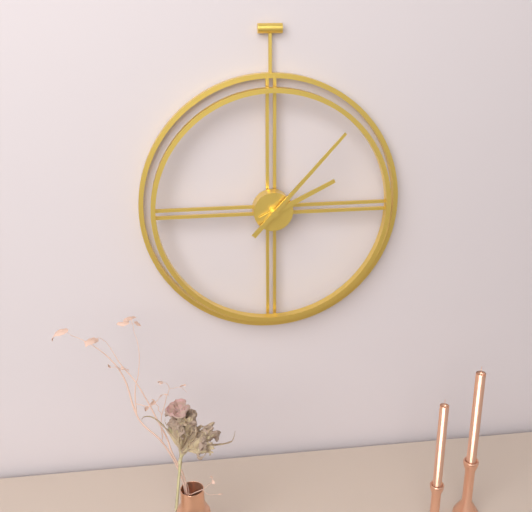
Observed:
2.07
